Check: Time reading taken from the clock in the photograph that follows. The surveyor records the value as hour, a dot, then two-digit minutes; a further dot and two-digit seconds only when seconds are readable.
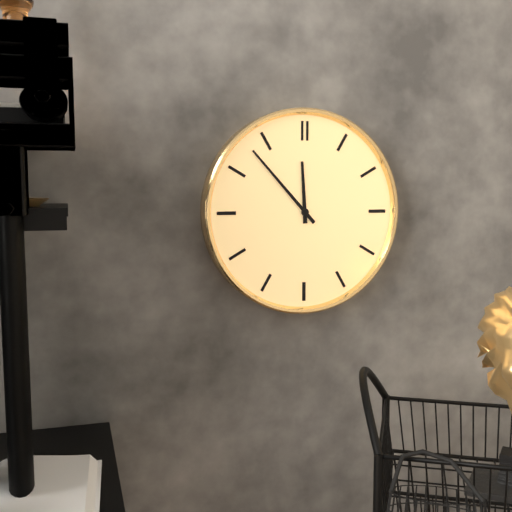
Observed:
11.53
